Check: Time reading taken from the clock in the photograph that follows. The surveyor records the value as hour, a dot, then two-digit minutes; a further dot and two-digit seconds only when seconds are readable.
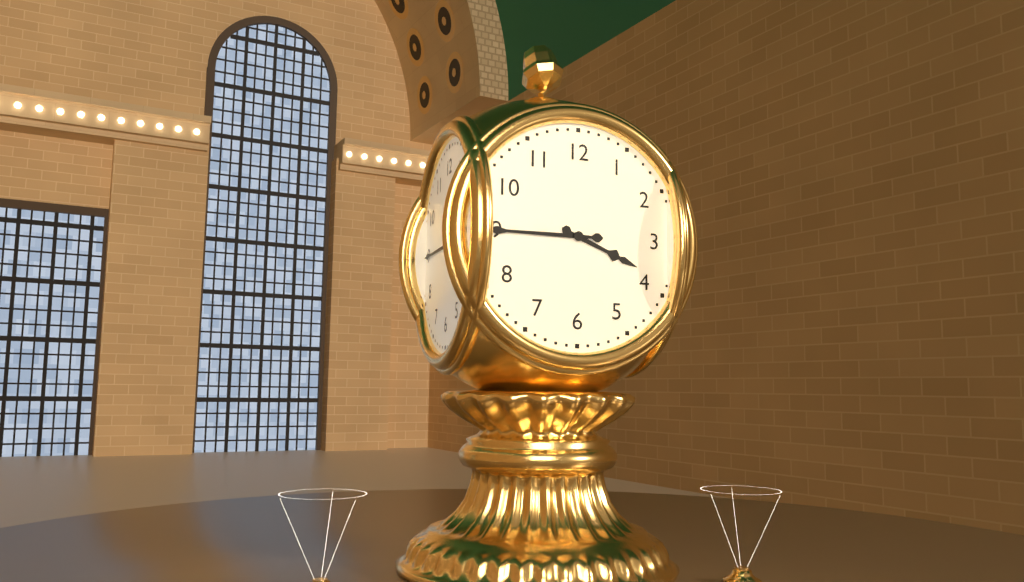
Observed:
3.45
